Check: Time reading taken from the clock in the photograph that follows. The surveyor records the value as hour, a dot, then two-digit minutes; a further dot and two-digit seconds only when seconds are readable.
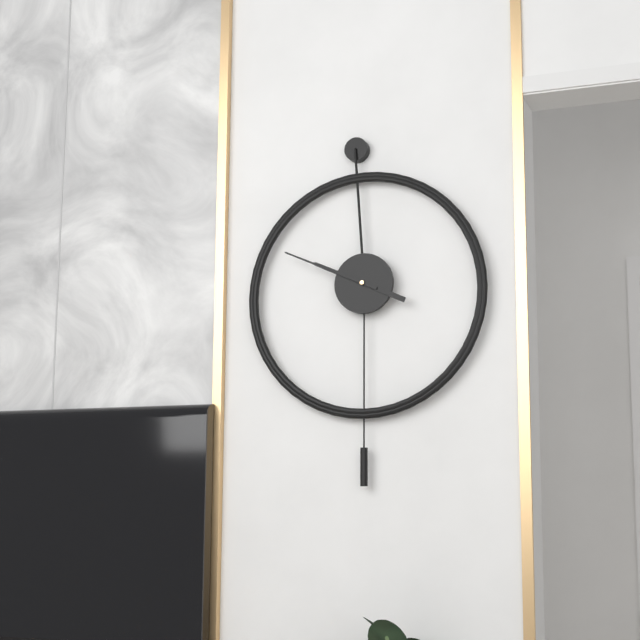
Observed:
9.49
